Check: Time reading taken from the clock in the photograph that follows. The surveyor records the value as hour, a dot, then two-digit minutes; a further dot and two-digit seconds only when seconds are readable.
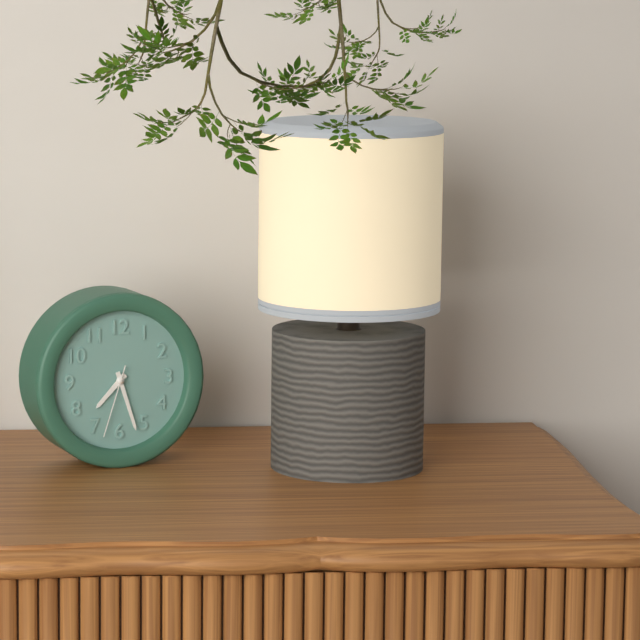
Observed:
7.27.33
